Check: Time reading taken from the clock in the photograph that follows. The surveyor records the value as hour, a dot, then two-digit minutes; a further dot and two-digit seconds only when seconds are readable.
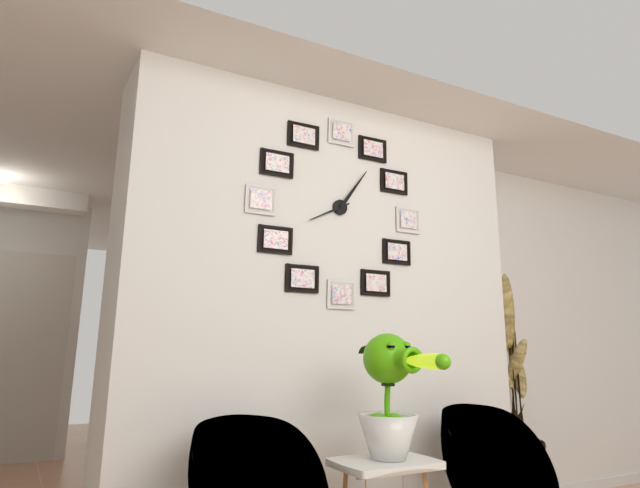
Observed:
8.06
